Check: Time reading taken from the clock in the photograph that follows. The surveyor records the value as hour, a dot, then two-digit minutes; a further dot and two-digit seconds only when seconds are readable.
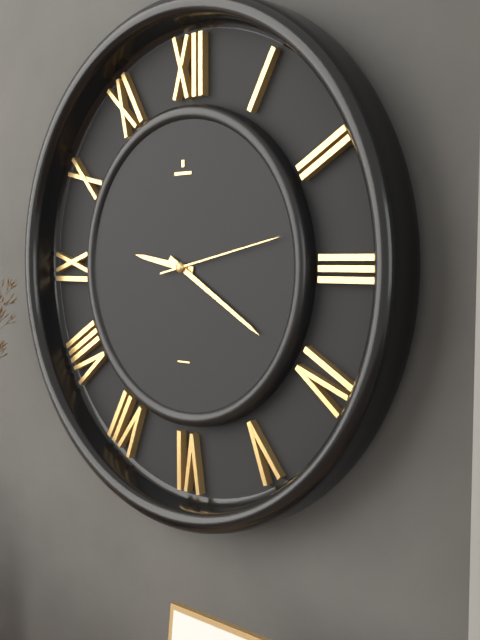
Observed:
9.20.13
